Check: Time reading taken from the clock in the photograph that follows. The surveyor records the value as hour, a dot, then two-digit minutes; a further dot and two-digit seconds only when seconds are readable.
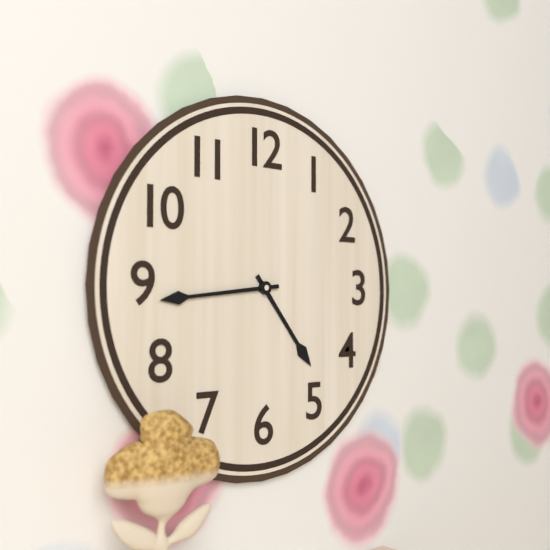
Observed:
4.44
